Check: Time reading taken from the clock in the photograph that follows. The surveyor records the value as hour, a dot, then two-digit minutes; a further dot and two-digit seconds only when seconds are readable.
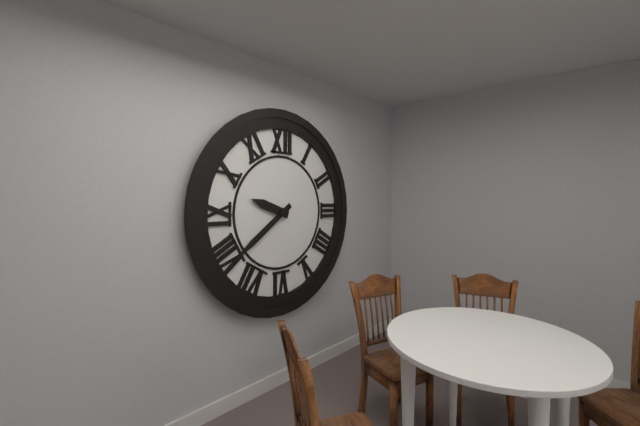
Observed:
9.39
